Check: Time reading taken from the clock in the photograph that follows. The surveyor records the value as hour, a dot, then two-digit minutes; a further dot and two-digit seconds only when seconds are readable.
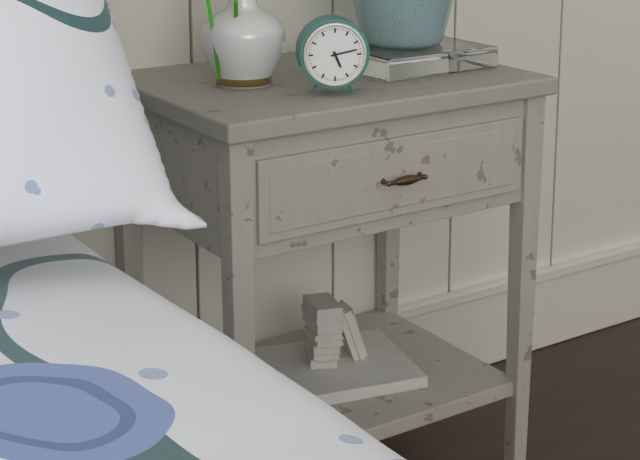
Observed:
5.13
